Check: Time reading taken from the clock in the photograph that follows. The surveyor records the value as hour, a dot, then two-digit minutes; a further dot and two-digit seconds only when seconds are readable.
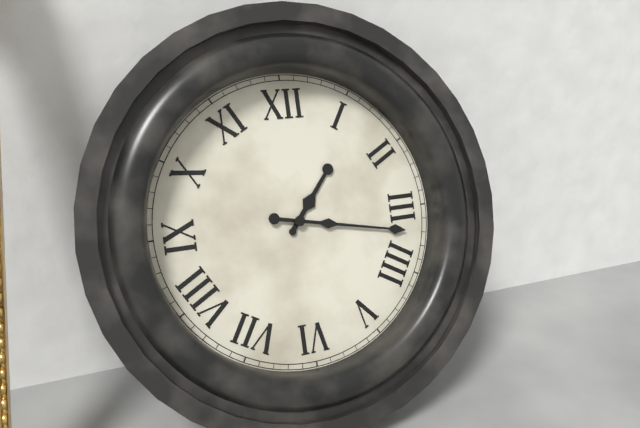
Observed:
1.17
